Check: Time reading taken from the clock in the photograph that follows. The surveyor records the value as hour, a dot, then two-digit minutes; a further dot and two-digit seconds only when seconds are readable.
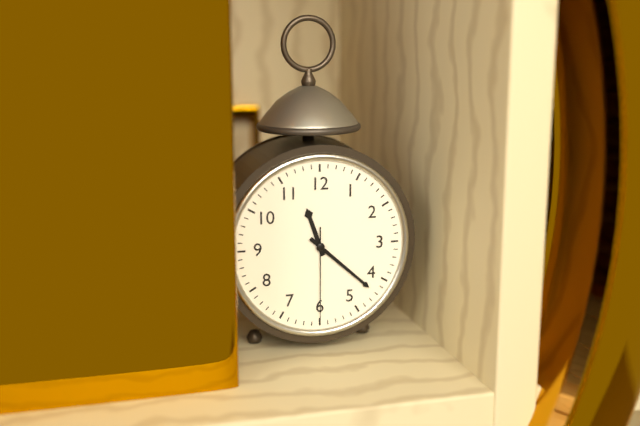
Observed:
11.22.30
